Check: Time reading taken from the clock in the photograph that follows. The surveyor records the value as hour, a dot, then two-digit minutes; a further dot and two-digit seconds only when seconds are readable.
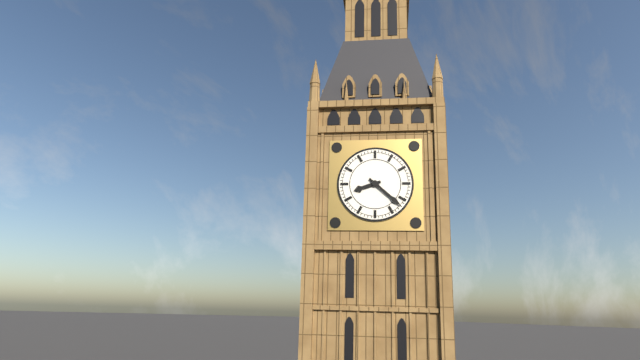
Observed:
8.22
